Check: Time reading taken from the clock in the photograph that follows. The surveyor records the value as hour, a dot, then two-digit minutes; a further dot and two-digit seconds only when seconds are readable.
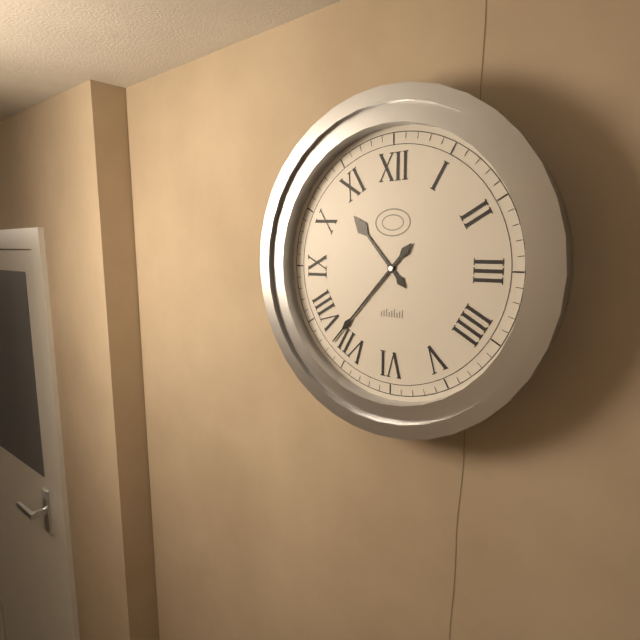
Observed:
10.37
